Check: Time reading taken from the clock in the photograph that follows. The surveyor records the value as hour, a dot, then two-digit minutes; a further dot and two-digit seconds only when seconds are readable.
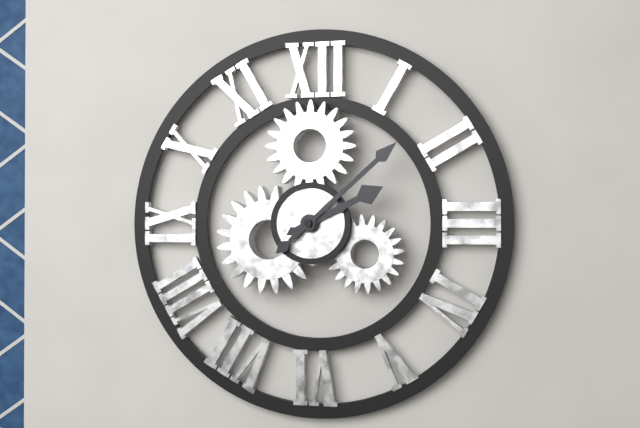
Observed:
2.08
